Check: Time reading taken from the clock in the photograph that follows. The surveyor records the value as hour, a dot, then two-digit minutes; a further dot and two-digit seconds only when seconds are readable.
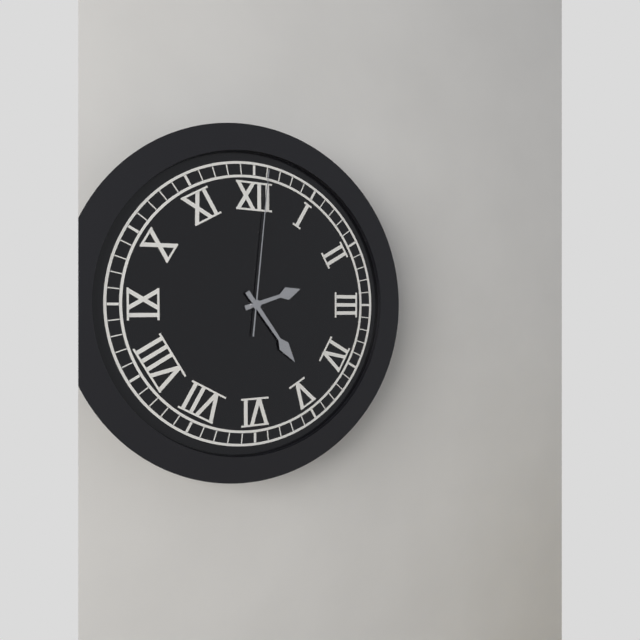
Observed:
2.24.01
